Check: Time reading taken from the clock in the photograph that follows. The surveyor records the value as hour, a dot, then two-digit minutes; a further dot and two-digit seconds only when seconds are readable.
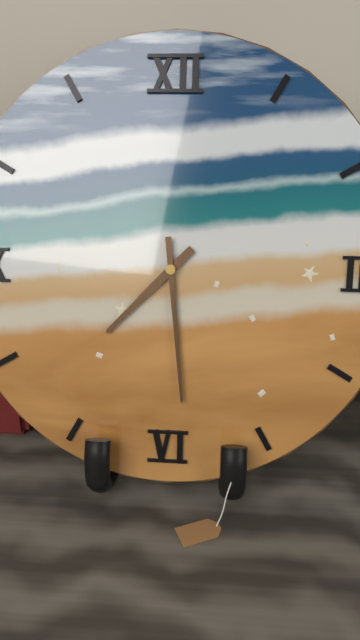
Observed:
7.29
